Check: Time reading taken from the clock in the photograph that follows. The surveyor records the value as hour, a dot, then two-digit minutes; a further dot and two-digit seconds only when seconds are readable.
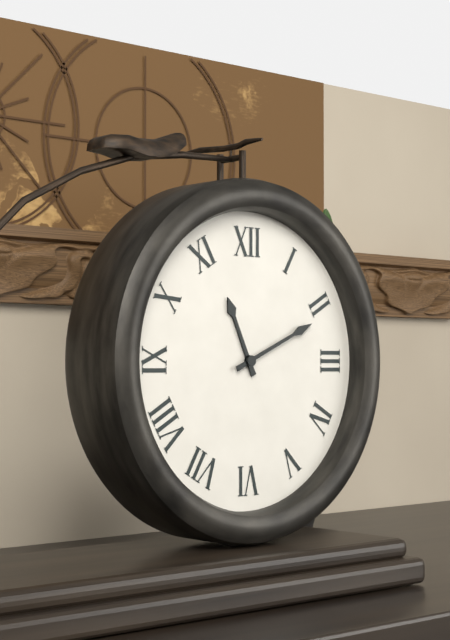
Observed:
11.11
